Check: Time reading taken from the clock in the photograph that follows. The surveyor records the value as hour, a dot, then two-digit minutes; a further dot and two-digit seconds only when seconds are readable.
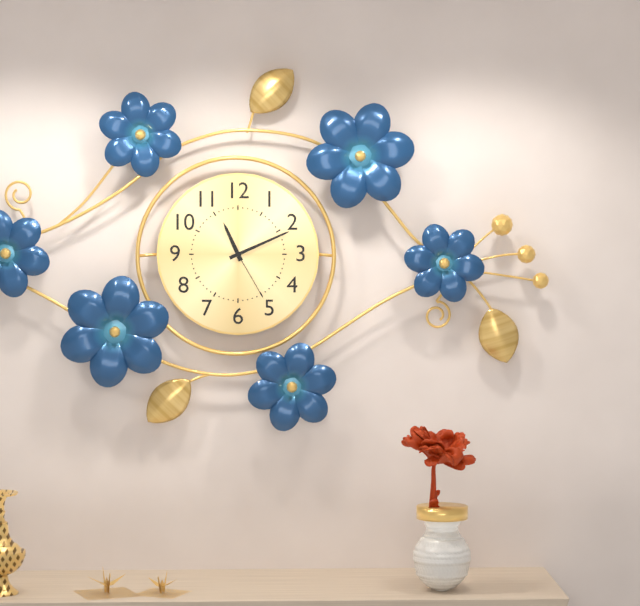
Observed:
11.11.25
